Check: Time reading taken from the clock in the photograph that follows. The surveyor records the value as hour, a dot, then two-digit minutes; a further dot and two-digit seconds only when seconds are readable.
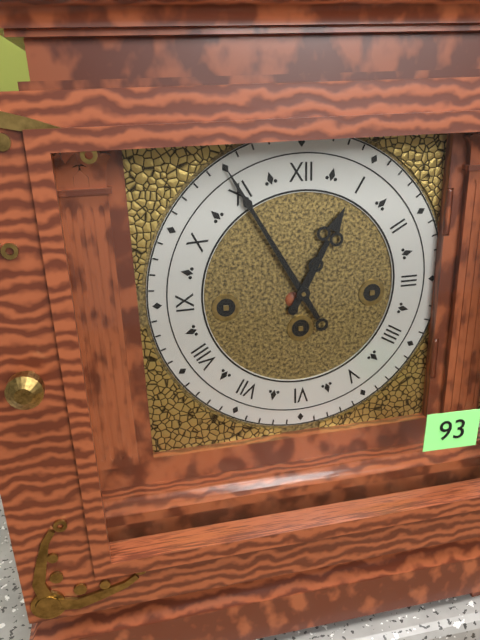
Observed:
12.55
